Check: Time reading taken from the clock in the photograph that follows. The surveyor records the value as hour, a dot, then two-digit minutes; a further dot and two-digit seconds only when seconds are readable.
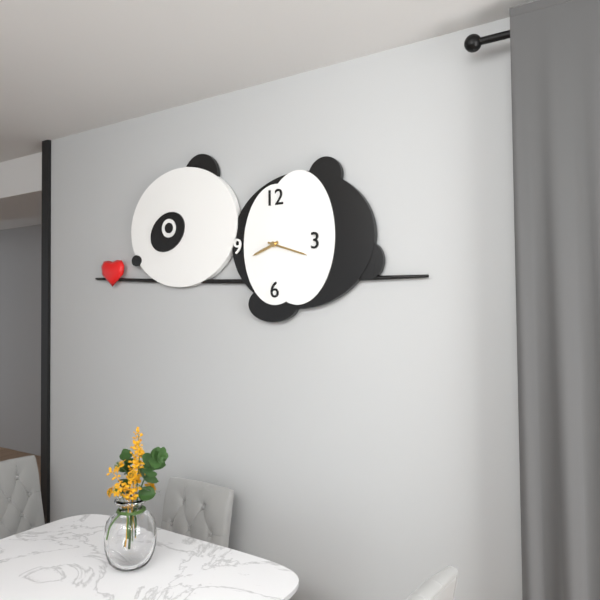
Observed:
8.18
